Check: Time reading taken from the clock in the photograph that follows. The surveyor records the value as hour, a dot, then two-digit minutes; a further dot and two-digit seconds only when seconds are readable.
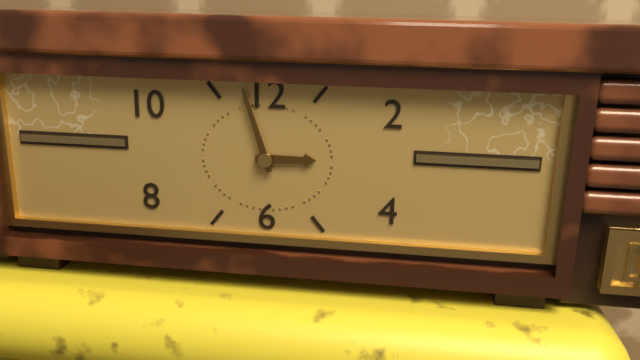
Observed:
2.57
